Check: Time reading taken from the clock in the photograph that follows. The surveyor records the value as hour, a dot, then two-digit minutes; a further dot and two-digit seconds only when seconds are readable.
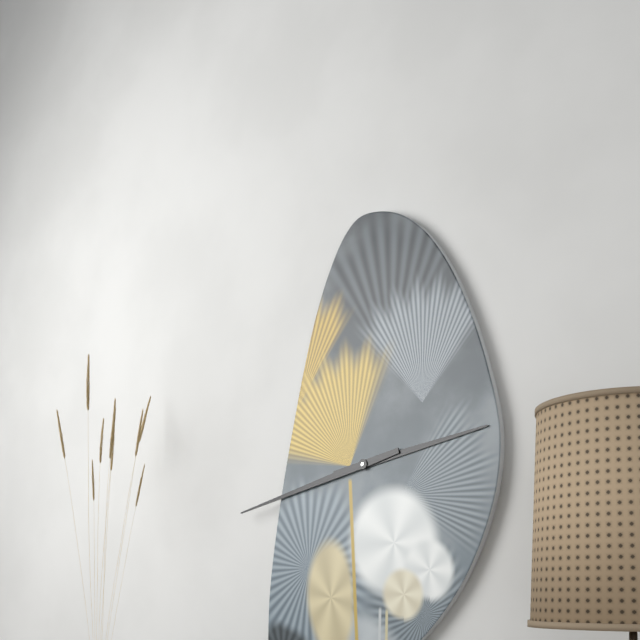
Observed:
2.43
